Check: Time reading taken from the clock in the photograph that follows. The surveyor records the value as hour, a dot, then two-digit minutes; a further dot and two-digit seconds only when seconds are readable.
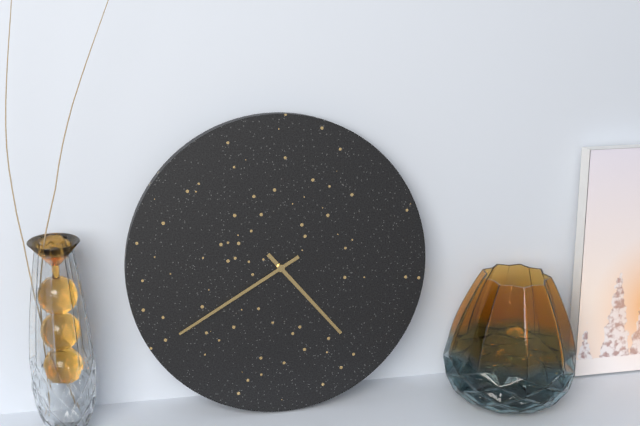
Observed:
4.40
